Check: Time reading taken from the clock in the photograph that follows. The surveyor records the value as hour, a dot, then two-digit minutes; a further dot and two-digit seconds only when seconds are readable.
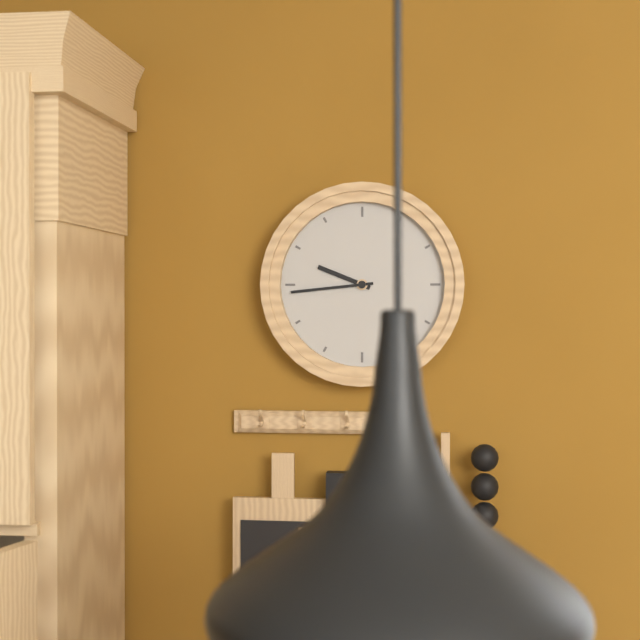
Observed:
9.44
